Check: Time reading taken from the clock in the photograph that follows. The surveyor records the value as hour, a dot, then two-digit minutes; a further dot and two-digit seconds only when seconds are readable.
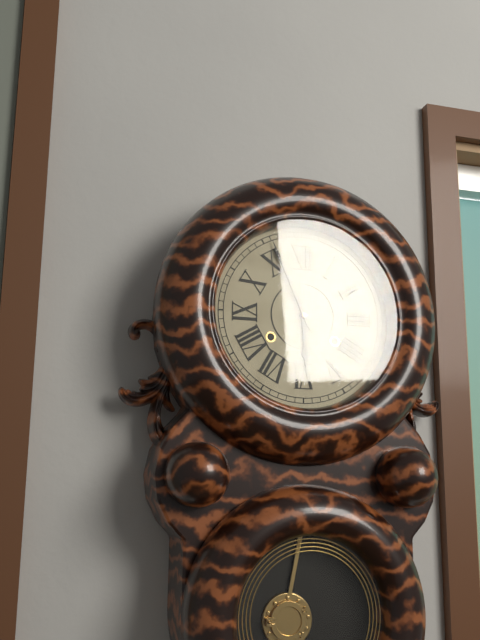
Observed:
5.56
